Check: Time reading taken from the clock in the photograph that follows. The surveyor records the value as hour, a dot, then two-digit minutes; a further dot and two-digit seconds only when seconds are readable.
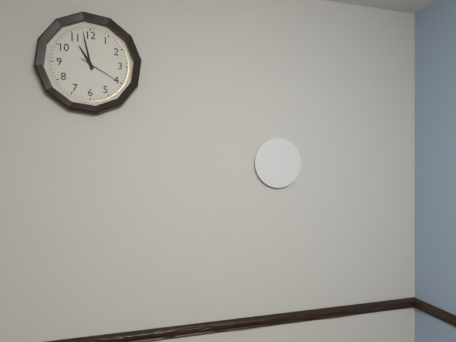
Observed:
10.58
